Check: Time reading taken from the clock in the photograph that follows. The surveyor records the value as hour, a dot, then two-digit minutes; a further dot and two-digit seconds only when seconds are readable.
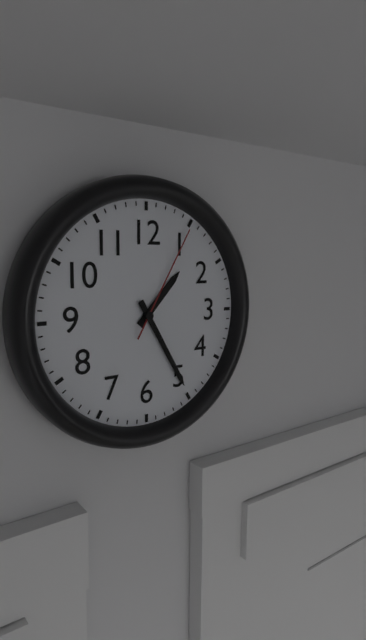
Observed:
1.25.05
